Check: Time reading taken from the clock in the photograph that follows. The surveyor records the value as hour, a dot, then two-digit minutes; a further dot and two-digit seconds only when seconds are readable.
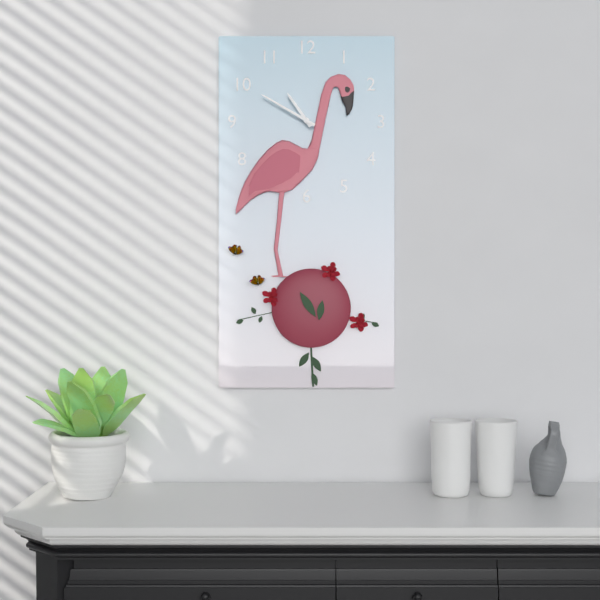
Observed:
10.50
